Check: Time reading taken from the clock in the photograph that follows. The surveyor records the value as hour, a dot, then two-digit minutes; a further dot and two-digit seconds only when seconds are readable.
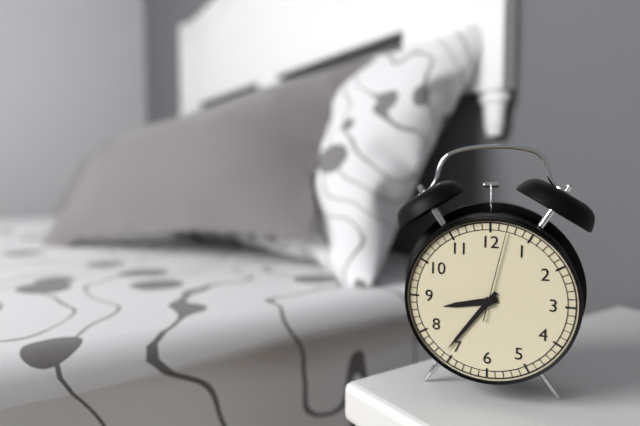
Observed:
8.36.02
